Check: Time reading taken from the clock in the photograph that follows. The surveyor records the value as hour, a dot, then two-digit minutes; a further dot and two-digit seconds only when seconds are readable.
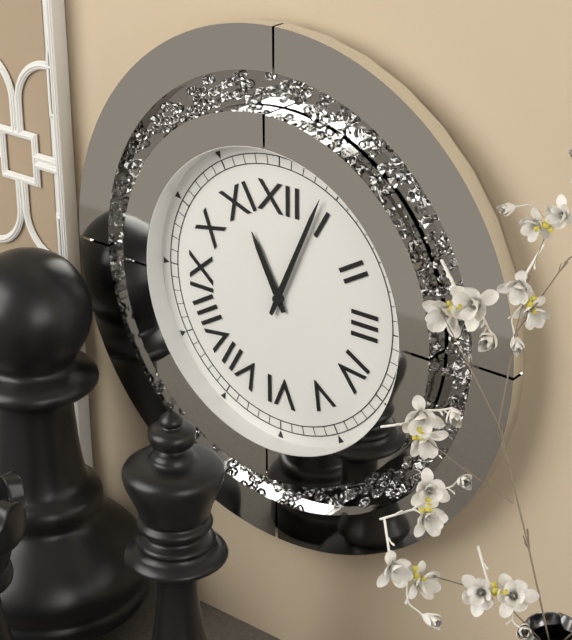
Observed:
11.04
